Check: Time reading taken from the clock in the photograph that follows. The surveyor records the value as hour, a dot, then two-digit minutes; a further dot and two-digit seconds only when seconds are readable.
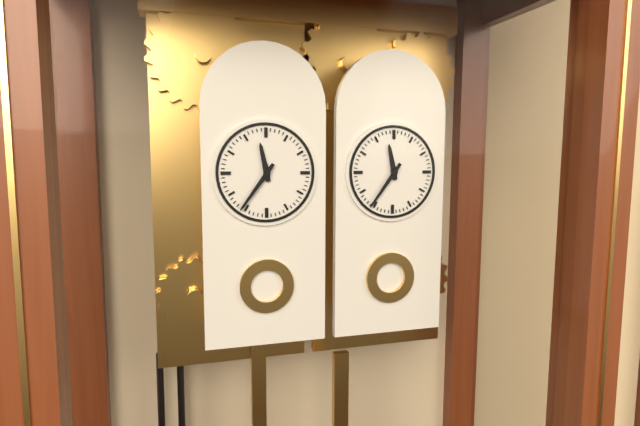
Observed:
11.36
